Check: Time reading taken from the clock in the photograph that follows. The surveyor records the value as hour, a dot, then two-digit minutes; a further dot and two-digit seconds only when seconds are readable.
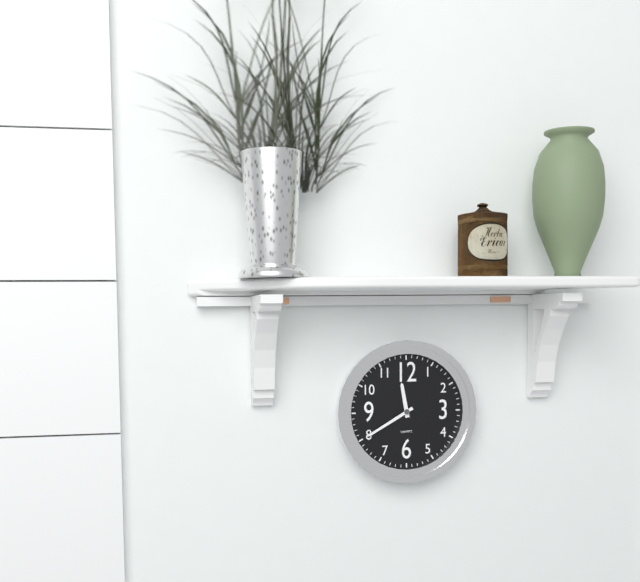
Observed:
11.40
